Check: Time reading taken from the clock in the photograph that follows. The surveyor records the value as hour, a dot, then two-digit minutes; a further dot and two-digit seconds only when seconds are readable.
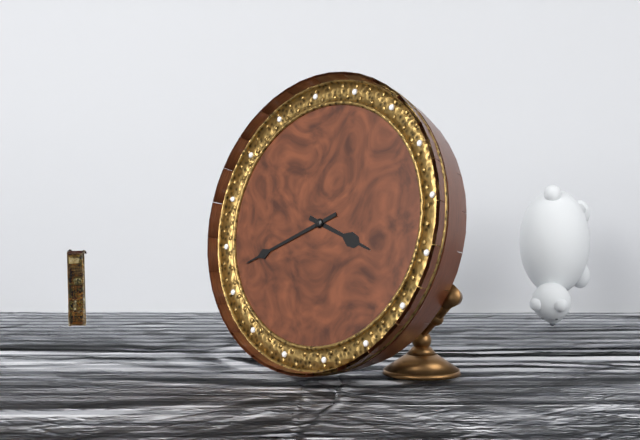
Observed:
3.41
